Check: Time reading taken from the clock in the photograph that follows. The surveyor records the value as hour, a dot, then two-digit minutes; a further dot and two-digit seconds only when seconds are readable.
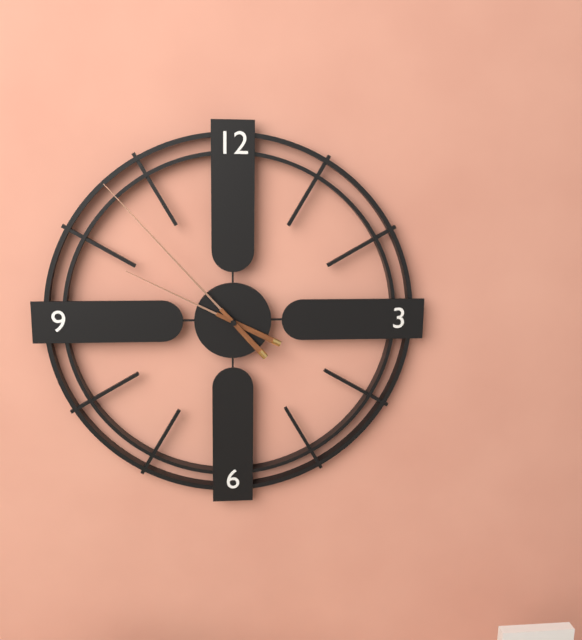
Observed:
9.53
